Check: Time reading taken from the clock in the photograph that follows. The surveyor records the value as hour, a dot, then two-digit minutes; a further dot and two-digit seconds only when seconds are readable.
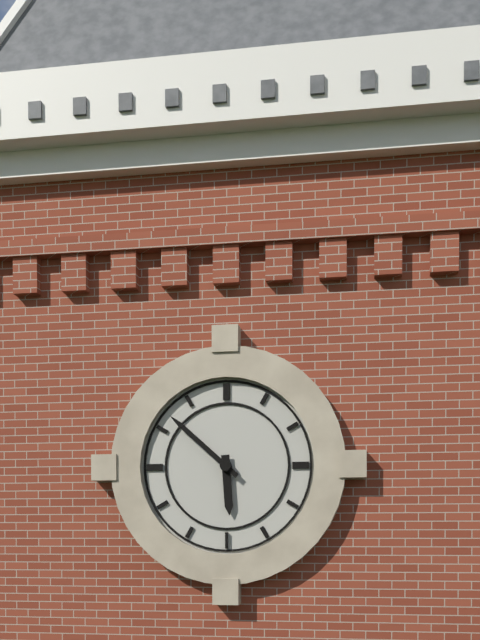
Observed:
5.52
